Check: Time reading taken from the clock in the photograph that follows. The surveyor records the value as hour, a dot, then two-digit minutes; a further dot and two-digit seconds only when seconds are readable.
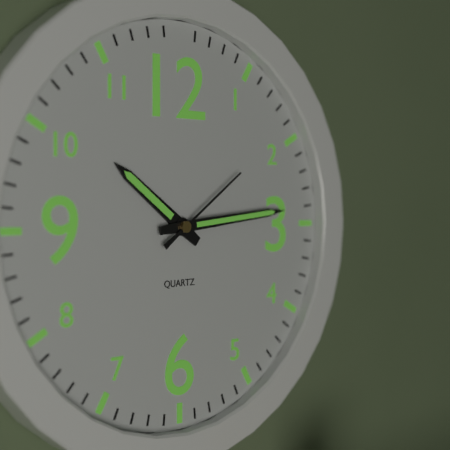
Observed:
10.14.09
